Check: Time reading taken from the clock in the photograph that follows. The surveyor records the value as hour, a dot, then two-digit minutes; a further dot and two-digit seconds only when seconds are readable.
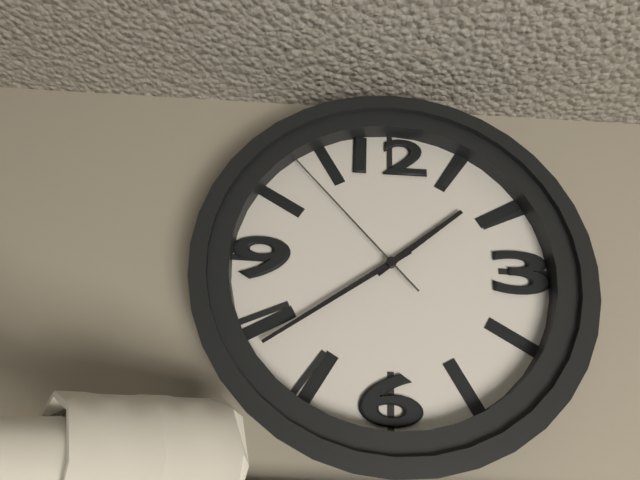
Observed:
1.39.53
